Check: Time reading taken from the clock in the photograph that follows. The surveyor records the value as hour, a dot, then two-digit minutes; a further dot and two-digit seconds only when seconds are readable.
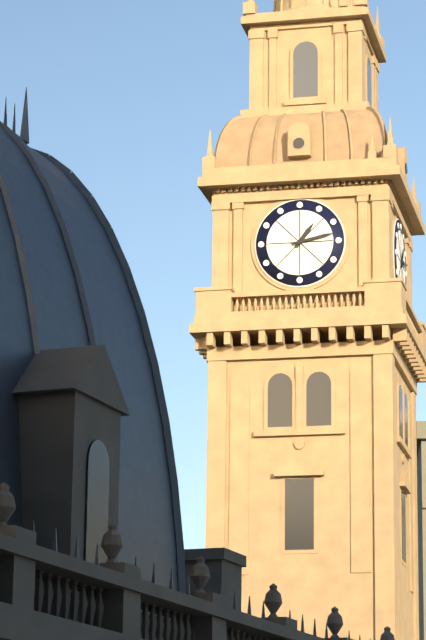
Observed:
1.13
